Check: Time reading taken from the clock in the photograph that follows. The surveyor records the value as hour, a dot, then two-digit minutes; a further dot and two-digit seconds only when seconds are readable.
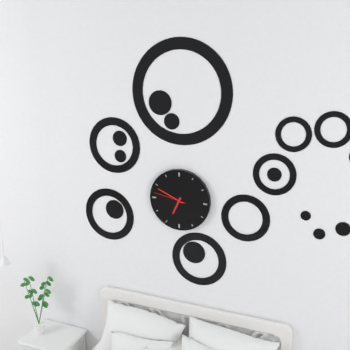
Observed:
6.49
